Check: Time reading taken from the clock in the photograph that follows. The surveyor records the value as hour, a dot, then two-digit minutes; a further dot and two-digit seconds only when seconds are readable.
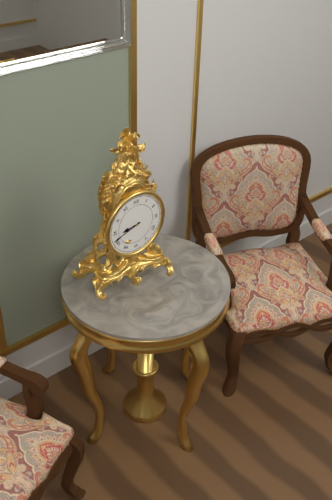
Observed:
8.42
